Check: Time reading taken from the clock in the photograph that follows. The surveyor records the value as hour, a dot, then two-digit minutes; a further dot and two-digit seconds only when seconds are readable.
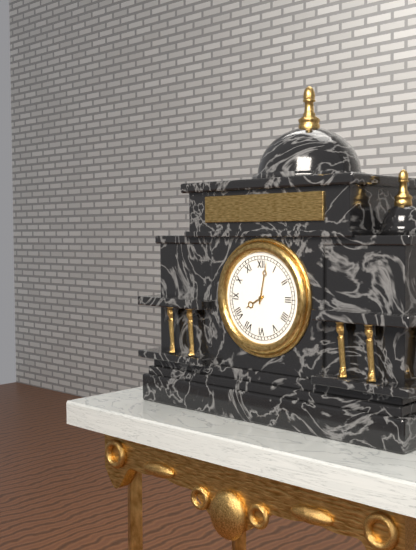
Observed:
8.02
